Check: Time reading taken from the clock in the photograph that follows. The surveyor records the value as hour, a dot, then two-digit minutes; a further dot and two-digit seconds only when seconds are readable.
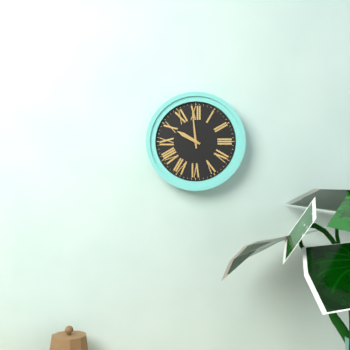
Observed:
9.59
